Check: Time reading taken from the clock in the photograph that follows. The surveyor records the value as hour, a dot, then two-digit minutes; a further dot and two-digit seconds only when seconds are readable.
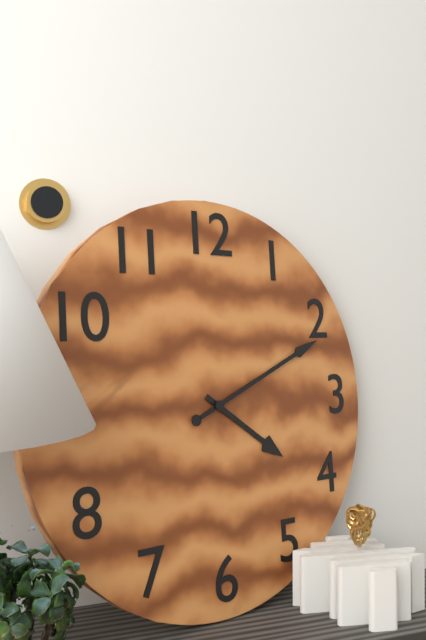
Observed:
4.11
